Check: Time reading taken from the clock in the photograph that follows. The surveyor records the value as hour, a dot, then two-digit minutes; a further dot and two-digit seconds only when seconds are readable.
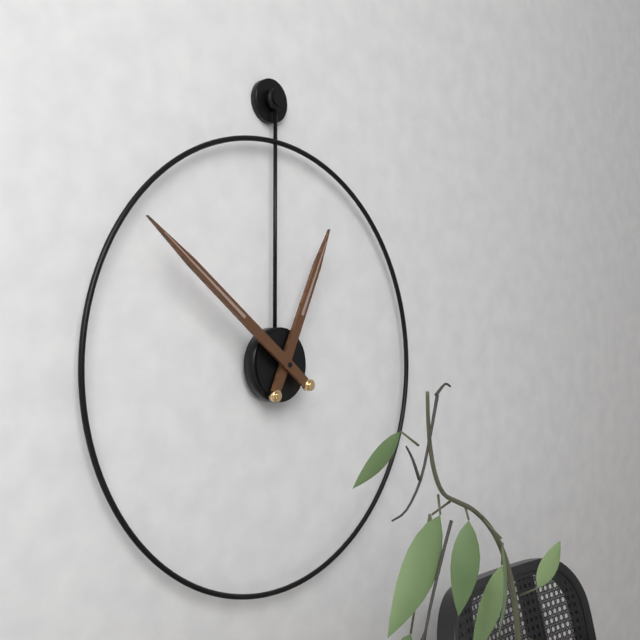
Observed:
12.51
